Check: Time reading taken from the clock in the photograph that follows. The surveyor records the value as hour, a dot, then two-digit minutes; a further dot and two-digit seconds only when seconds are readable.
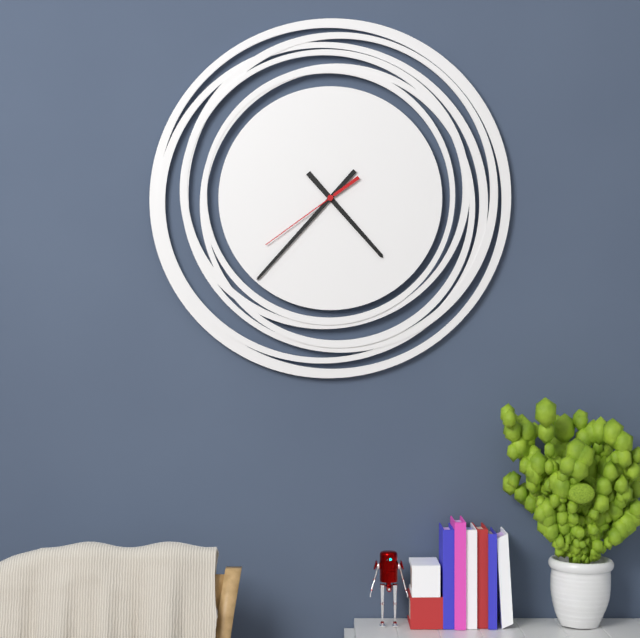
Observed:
4.37.39
